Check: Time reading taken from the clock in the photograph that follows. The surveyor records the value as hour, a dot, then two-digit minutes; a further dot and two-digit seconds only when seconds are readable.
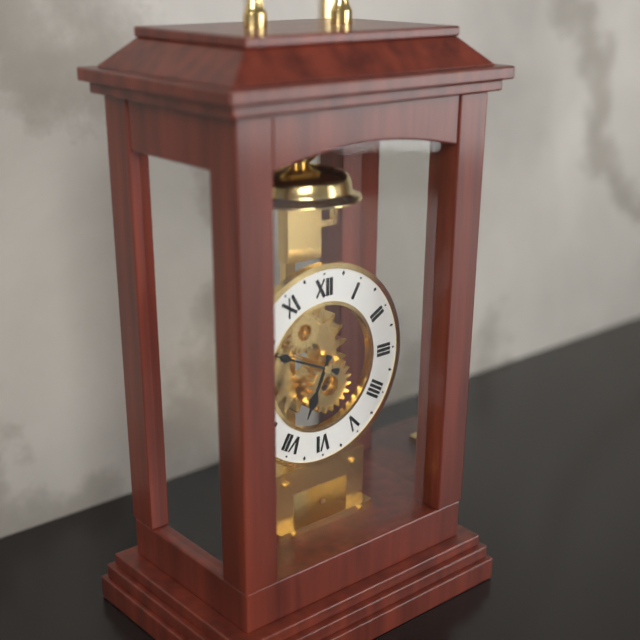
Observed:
6.49
